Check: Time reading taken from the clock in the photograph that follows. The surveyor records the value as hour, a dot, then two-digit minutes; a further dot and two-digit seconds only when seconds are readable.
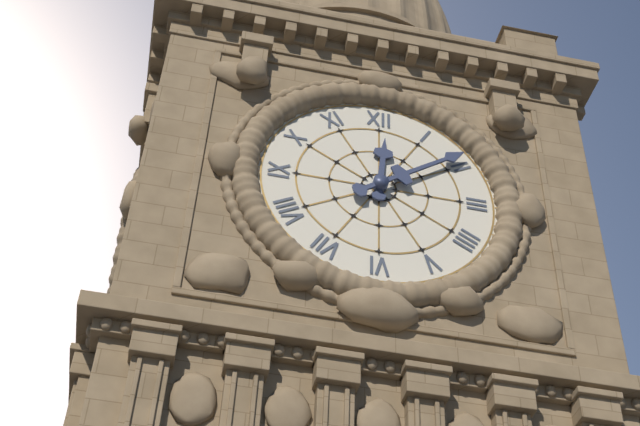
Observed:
12.09
